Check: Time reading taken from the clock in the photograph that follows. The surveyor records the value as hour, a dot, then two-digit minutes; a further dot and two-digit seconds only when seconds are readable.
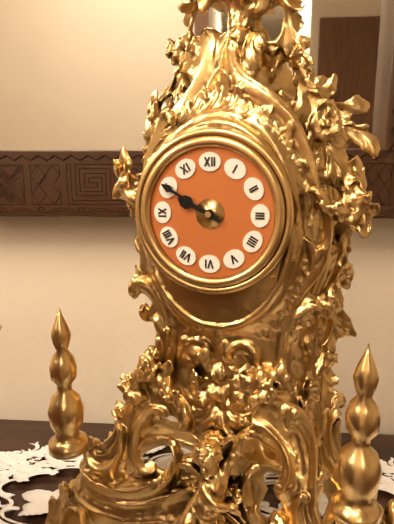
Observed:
9.50
